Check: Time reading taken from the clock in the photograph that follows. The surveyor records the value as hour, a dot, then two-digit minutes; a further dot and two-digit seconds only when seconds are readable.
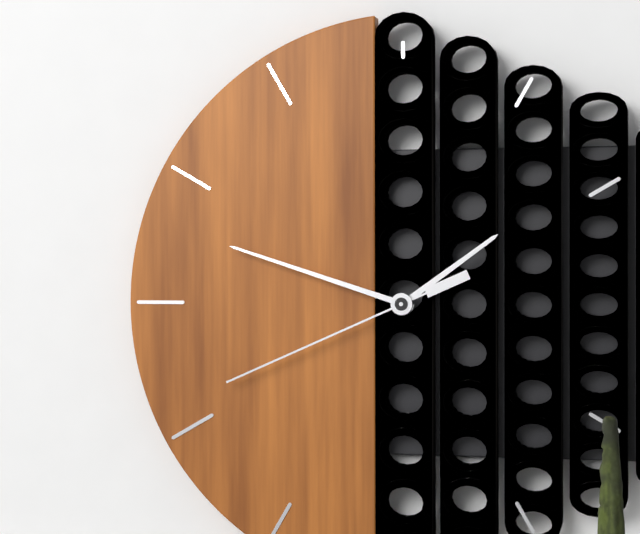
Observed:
1.48.41
